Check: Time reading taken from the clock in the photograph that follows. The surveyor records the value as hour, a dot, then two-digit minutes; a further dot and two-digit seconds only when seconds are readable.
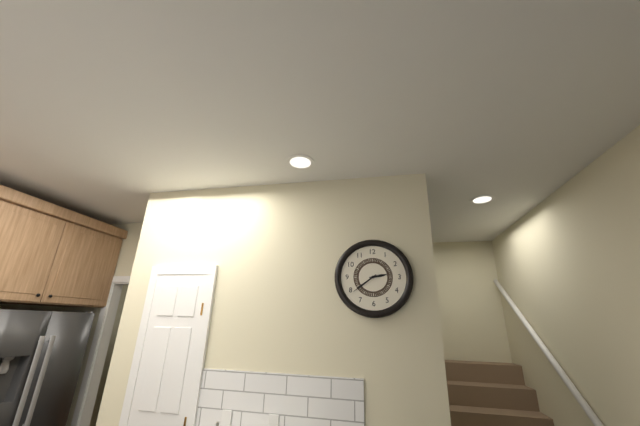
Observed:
2.39
